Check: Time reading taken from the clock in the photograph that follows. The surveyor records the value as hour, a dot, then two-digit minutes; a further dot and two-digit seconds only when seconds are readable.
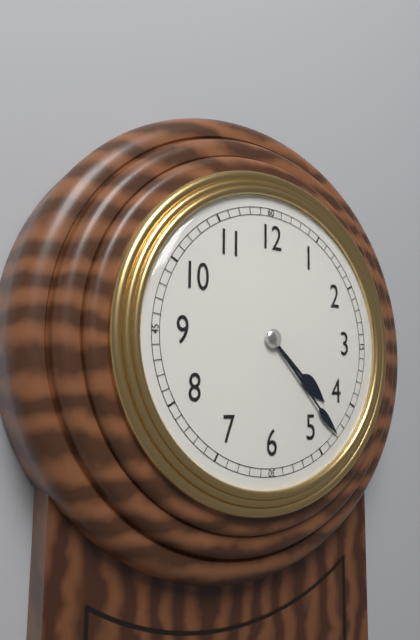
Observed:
4.23
